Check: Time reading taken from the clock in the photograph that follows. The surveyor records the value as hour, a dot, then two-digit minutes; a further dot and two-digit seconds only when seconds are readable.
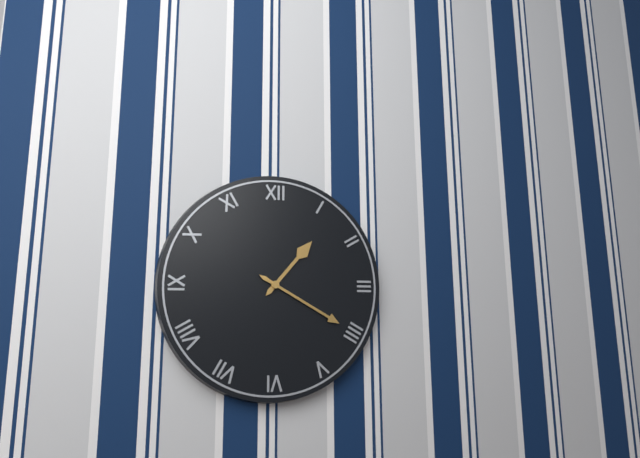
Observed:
1.20
